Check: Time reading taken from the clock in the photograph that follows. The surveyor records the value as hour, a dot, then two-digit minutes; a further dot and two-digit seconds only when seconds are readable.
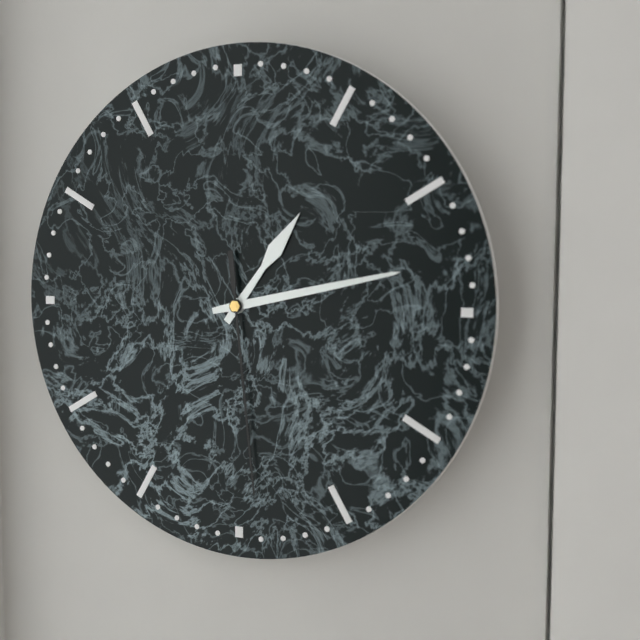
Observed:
1.13.29
